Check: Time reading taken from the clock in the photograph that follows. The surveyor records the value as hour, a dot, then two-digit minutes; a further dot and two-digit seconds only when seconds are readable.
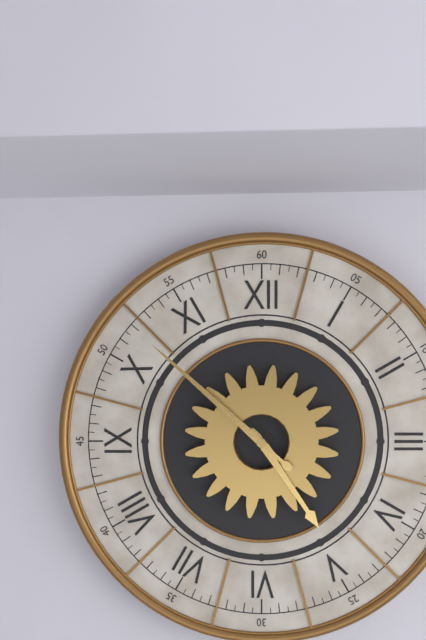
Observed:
4.52
